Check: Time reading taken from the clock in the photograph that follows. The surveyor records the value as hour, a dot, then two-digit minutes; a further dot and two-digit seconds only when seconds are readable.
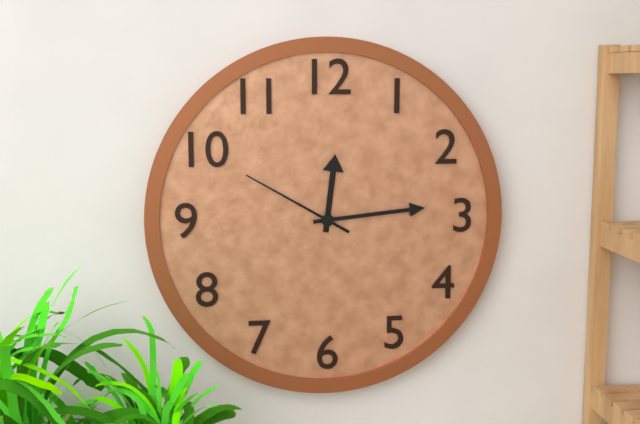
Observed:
12.14.50
